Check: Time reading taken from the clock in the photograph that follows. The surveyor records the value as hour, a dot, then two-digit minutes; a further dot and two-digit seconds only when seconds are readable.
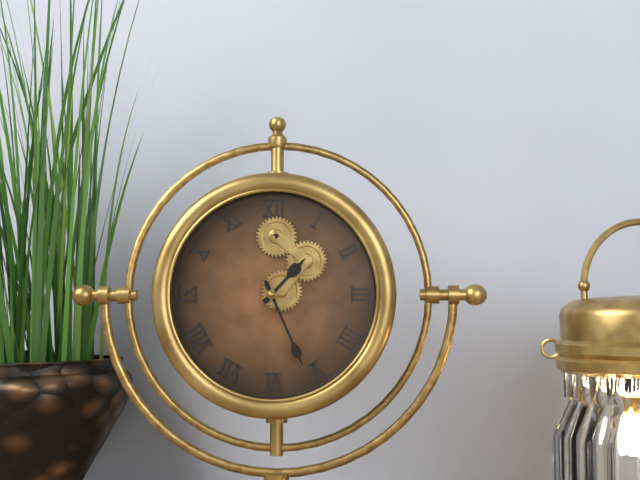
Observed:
1.26
